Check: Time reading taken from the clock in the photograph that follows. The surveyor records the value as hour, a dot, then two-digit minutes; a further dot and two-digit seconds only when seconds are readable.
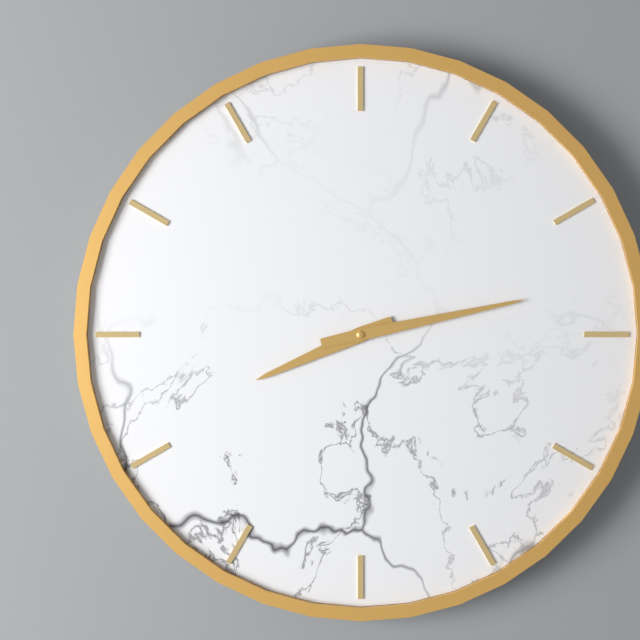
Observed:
8.13
